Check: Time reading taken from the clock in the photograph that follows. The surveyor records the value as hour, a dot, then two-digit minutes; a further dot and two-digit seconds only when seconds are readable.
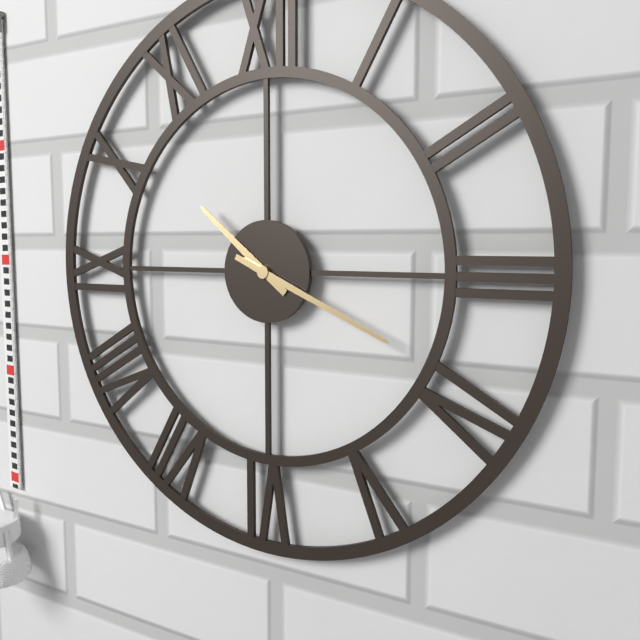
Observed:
10.19
